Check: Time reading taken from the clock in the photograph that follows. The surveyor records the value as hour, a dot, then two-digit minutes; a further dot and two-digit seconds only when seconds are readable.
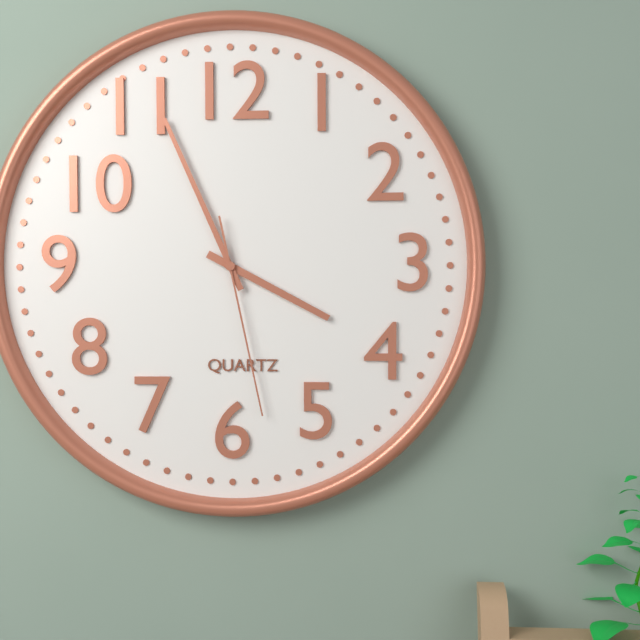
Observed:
3.56.28
